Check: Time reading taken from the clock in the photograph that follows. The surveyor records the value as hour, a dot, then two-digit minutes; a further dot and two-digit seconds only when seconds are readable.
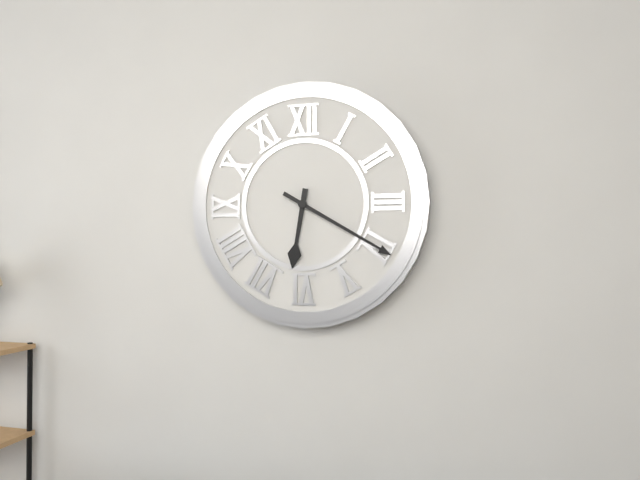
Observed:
6.20
